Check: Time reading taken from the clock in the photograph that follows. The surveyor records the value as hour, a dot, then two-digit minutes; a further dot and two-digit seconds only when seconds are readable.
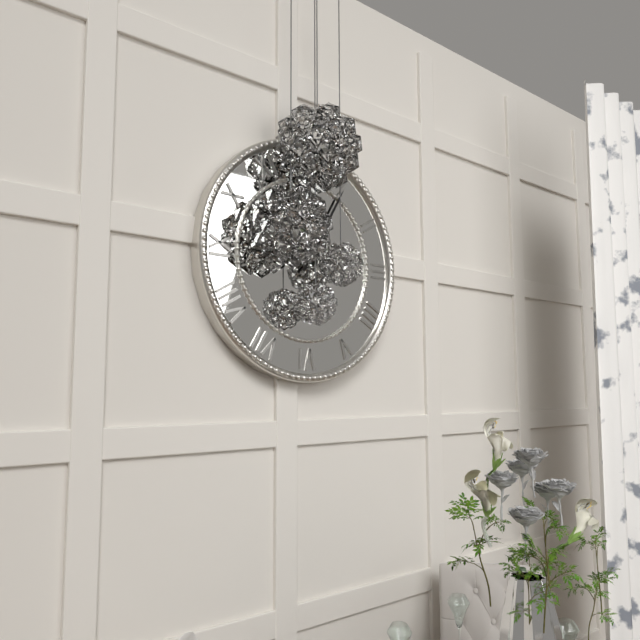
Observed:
9.05
